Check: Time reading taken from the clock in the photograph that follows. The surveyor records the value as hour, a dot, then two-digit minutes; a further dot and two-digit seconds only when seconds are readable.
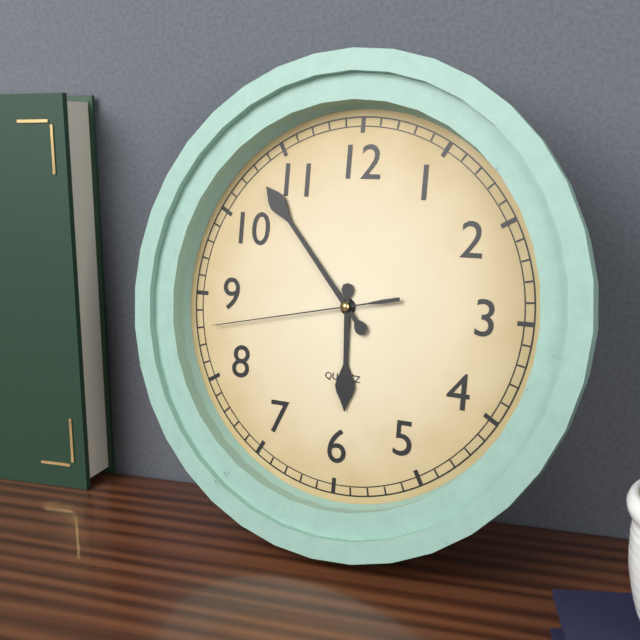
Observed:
5.53.43
